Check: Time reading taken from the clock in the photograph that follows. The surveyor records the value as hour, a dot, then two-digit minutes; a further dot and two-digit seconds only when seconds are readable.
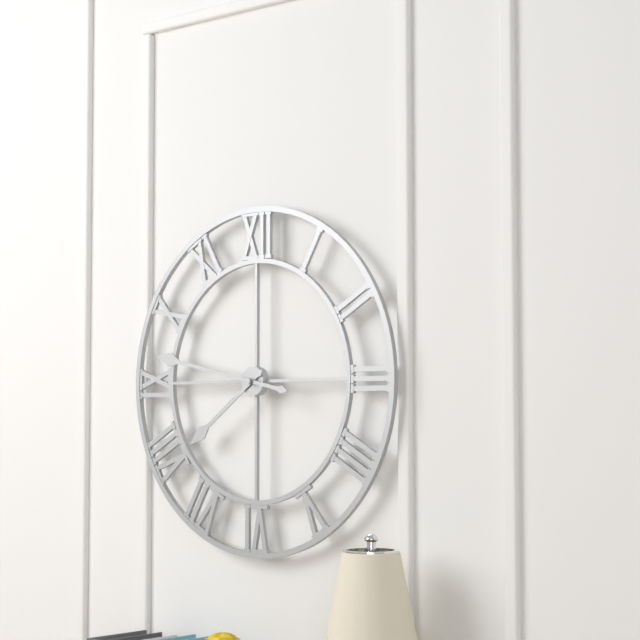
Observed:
7.47
